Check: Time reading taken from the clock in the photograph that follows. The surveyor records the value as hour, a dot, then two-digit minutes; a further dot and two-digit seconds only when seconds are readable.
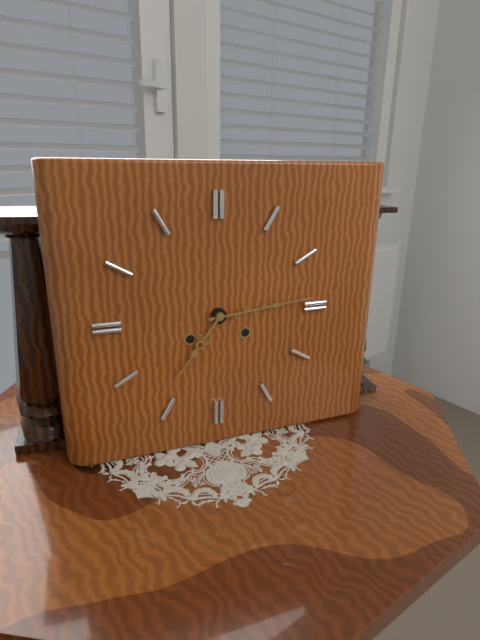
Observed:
7.14
